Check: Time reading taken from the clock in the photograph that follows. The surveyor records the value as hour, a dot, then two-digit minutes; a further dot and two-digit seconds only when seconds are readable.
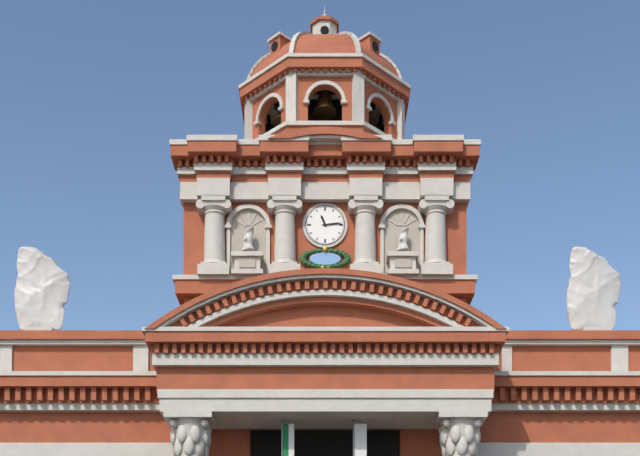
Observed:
11.14
